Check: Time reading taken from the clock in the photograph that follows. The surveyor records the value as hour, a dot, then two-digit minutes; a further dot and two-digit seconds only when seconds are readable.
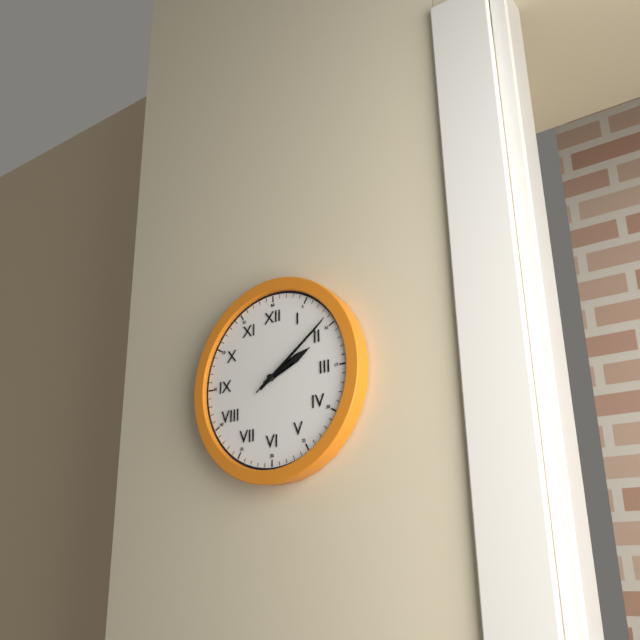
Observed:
2.09.09
